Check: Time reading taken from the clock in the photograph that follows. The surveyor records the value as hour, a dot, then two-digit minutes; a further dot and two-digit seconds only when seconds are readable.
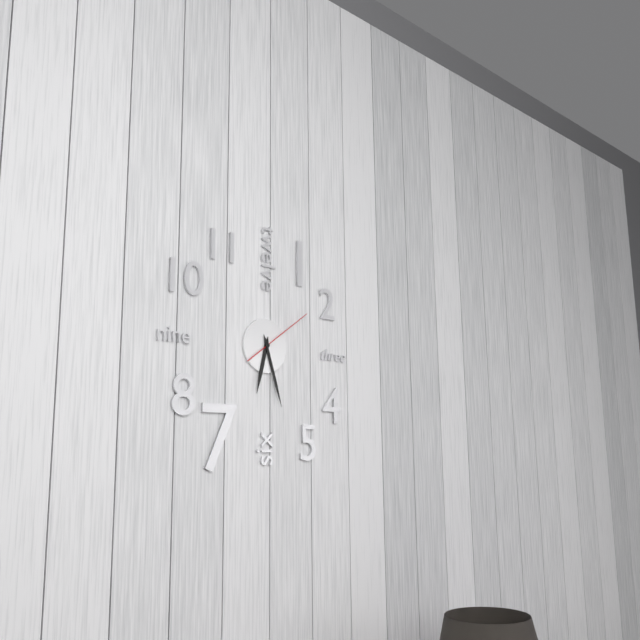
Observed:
6.27.09
